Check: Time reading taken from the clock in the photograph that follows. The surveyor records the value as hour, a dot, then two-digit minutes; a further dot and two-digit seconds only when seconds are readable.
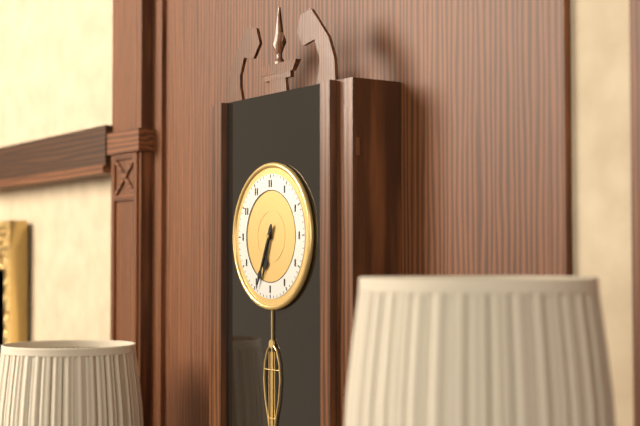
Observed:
6.34
